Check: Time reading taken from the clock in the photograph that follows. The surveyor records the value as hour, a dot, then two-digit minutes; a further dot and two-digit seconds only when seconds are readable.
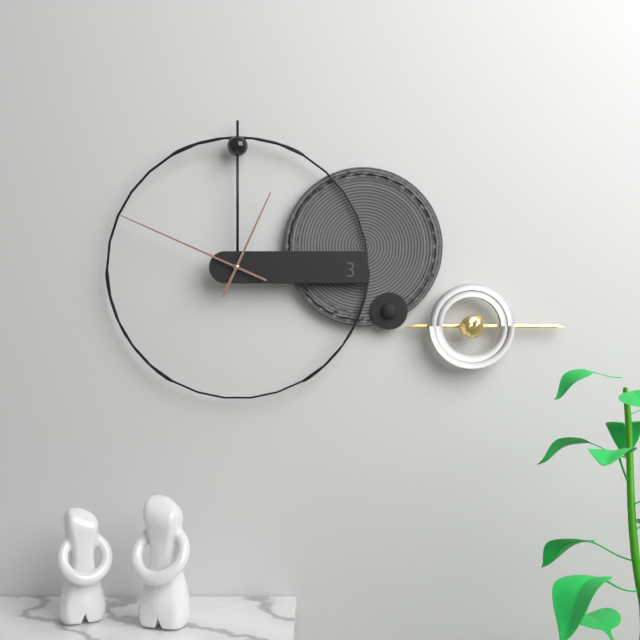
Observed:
12.49
